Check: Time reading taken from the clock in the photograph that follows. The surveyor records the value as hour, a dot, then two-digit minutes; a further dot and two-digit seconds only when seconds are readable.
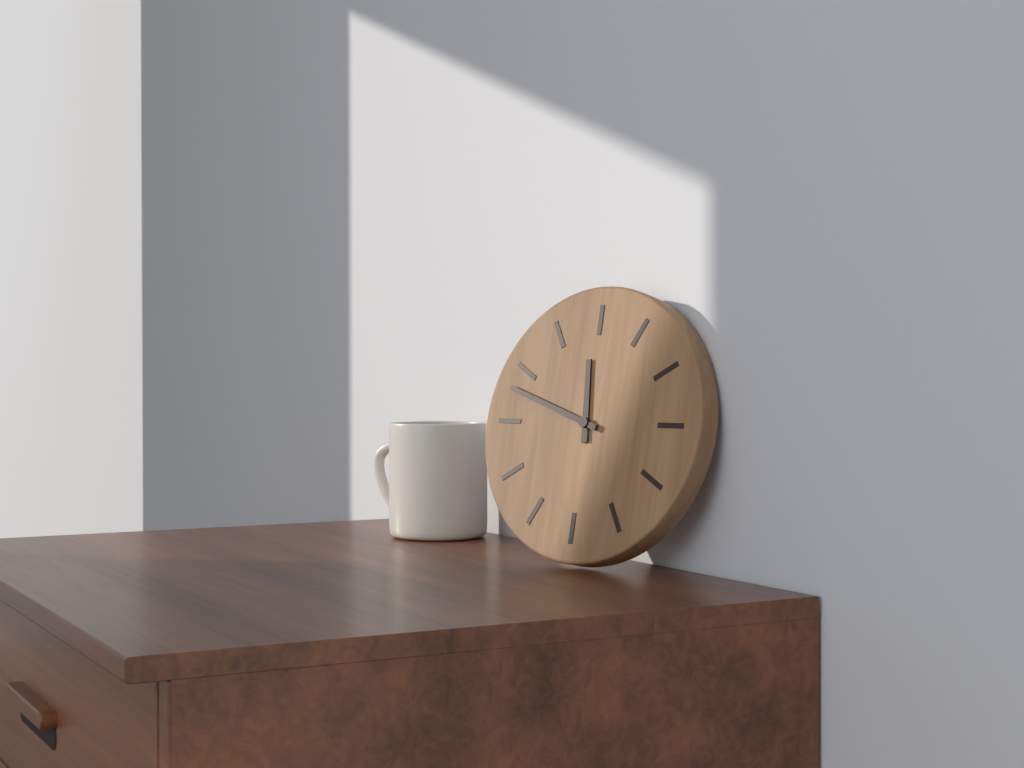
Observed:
11.48
